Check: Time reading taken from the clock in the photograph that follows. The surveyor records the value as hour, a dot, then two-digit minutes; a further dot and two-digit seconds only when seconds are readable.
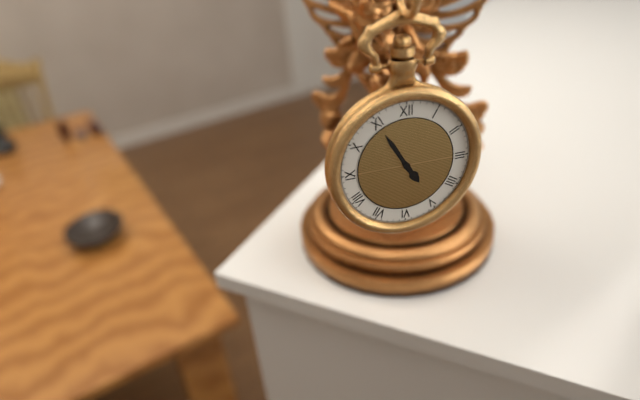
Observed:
4.55
